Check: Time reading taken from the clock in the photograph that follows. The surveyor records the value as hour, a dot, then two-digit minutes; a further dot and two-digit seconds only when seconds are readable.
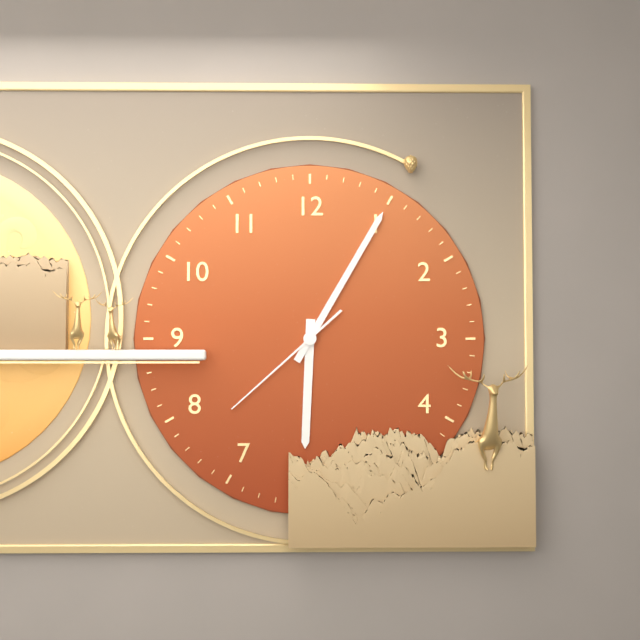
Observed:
6.05.38
